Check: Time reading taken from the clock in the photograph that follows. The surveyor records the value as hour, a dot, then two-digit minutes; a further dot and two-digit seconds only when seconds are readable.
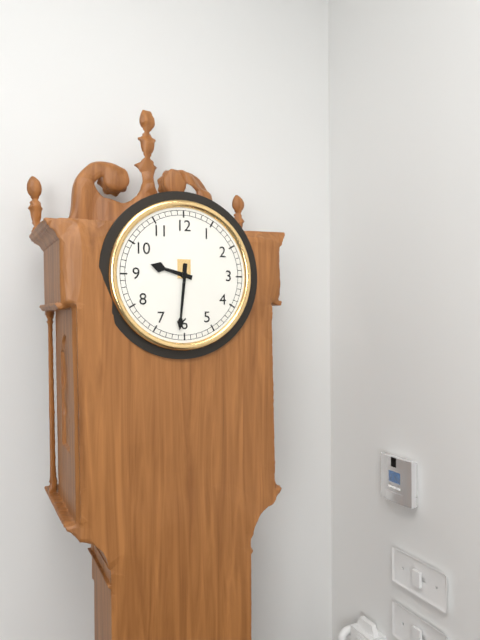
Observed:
9.31
